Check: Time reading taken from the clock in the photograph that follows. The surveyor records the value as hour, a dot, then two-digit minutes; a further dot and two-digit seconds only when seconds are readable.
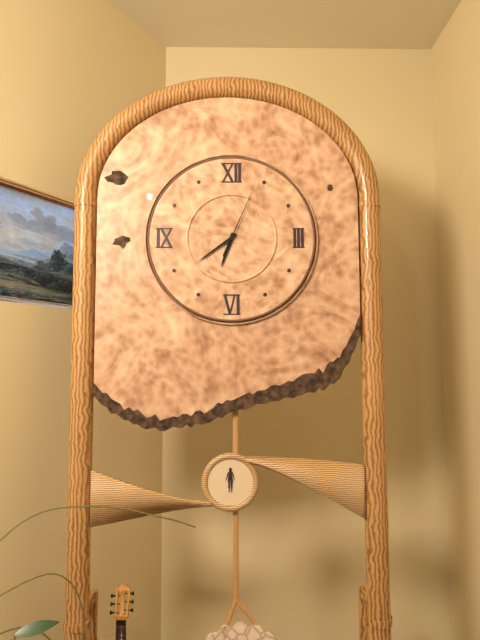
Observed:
6.39.04
